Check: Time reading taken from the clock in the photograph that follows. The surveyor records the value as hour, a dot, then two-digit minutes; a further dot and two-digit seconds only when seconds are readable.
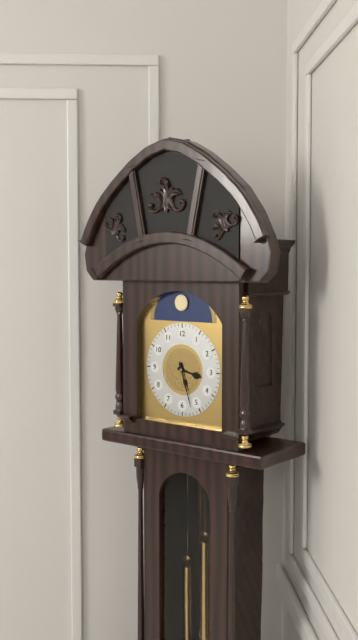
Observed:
3.27
